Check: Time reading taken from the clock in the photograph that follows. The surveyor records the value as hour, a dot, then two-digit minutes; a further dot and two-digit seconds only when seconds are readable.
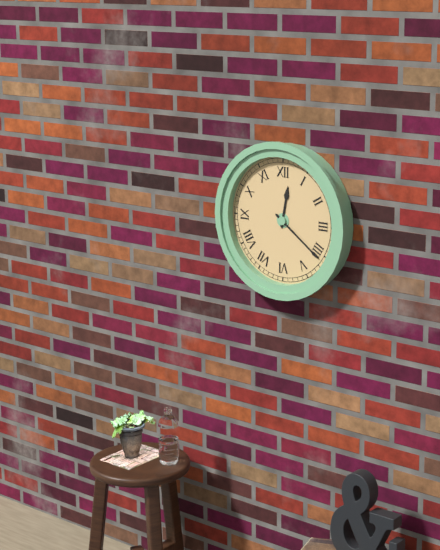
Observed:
12.21
